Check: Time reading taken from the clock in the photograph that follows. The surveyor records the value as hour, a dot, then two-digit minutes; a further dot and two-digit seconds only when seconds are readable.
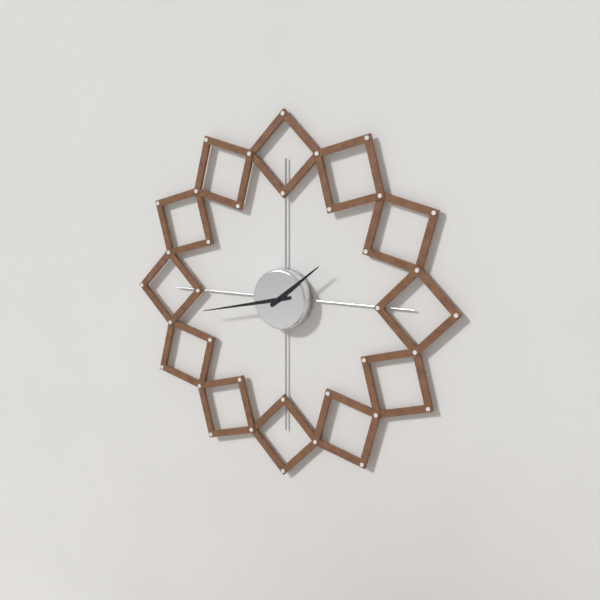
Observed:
1.43
